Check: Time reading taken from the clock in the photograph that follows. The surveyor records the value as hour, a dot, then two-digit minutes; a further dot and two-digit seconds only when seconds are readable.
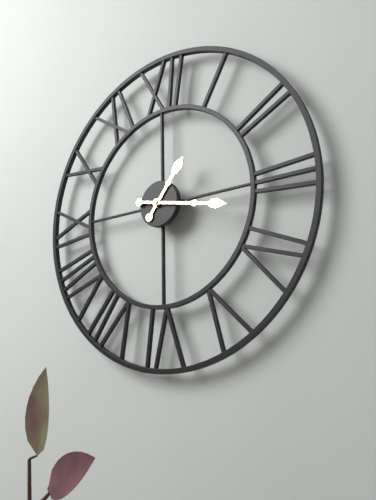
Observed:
1.17
